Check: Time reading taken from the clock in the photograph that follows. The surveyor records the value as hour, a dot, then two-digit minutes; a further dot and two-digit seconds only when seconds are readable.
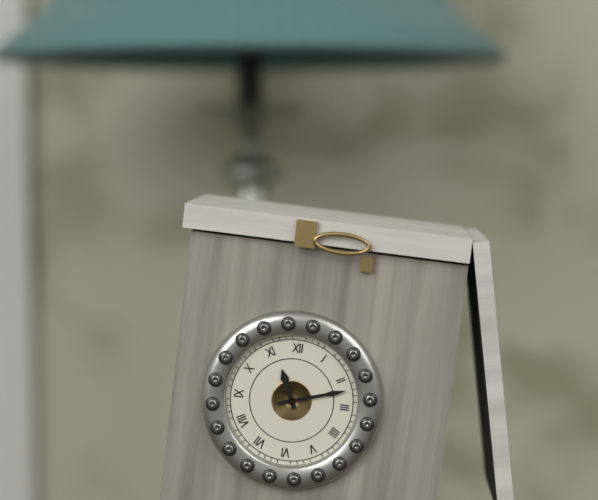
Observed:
11.12
